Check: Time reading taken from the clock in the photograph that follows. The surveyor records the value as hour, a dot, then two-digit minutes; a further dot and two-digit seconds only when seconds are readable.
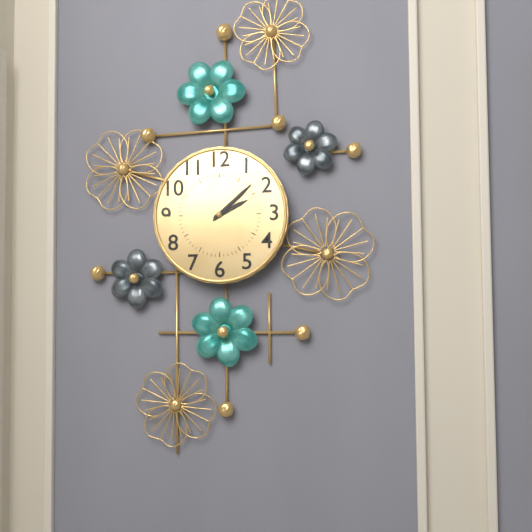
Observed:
2.08
